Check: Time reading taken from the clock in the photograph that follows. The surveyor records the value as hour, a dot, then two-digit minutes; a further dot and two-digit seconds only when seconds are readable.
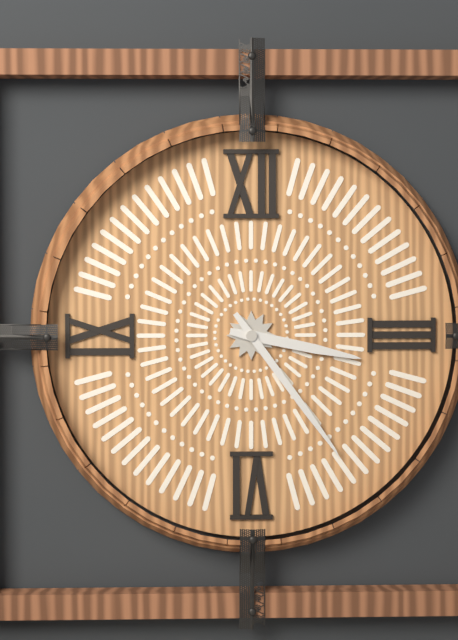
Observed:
3.24
